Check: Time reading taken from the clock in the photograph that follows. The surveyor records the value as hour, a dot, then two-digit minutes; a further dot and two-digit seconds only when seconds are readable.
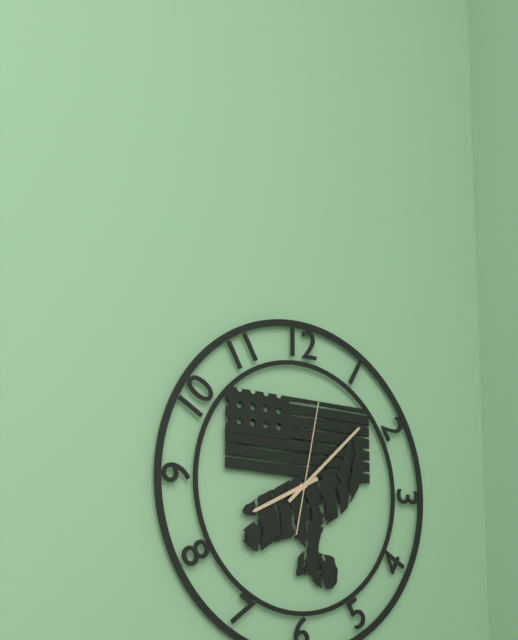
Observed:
8.08.02
